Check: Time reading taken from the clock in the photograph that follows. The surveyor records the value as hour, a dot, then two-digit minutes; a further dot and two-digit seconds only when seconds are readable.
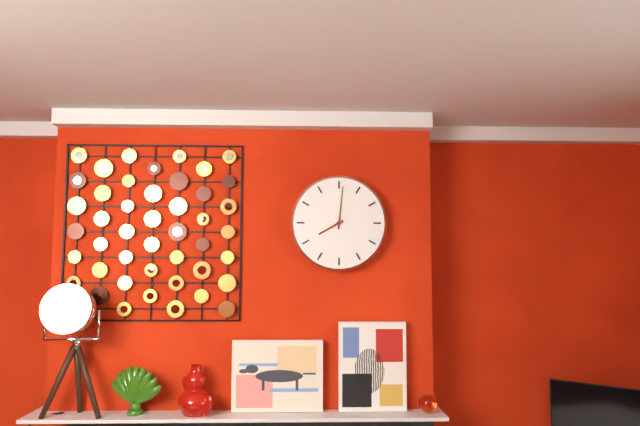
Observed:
8.01
